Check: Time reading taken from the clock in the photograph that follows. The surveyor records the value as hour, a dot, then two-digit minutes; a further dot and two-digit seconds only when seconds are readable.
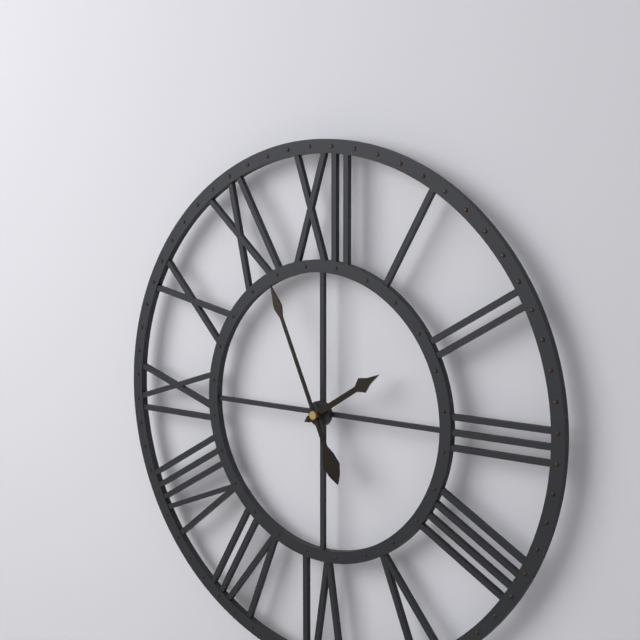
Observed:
1.56
